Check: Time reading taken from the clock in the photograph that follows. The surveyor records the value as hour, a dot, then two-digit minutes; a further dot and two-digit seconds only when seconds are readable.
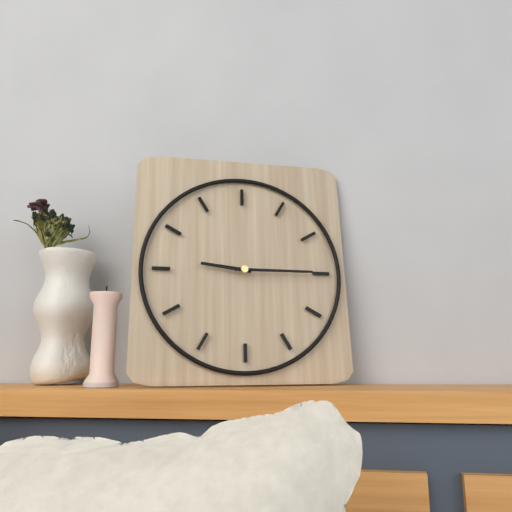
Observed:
9.15
